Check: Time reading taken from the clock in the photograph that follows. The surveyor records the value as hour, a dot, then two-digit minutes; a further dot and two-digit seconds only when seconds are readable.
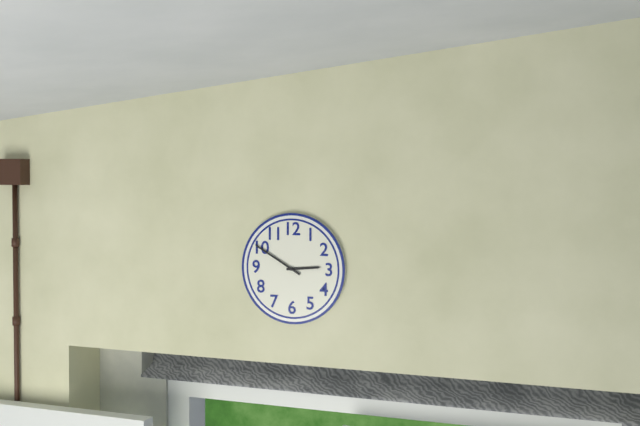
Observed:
2.50
